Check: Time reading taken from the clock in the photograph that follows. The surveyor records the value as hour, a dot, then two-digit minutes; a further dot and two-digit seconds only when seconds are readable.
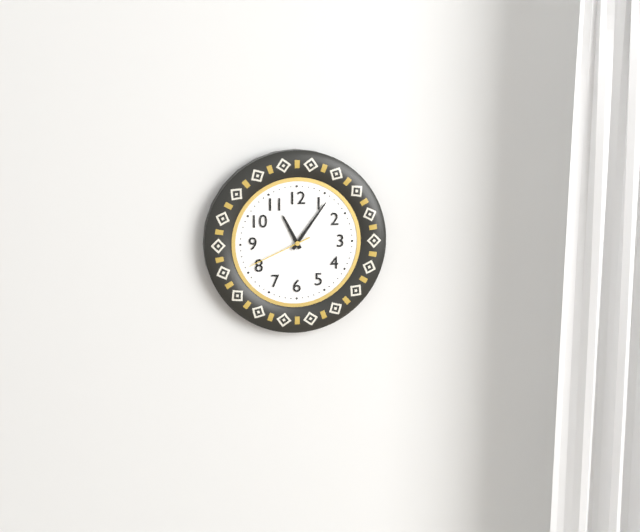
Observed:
11.06.41
